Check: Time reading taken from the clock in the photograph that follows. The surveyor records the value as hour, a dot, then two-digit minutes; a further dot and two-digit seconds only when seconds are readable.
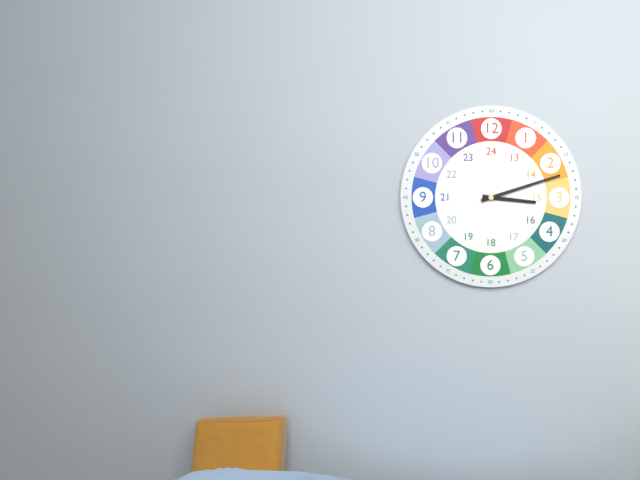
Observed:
3.12
